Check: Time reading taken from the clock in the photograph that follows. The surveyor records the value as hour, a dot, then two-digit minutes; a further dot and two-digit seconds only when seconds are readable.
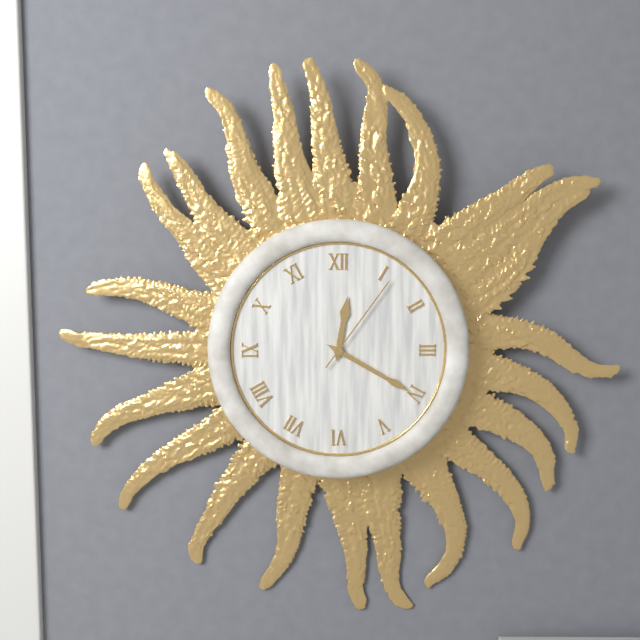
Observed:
12.20.06
